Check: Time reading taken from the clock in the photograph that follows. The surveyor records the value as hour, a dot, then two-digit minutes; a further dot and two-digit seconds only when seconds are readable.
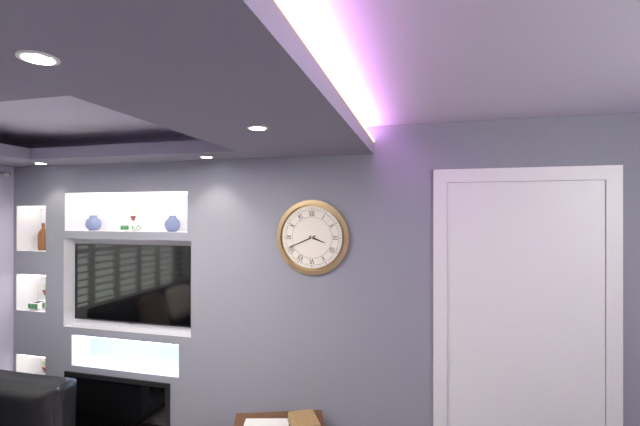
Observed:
3.41
